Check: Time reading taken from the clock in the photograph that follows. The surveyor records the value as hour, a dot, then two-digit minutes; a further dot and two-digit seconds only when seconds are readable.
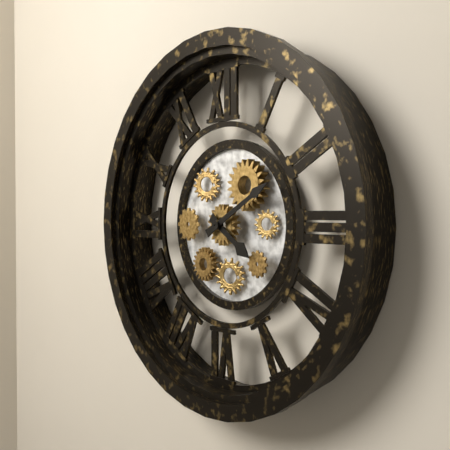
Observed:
4.10
